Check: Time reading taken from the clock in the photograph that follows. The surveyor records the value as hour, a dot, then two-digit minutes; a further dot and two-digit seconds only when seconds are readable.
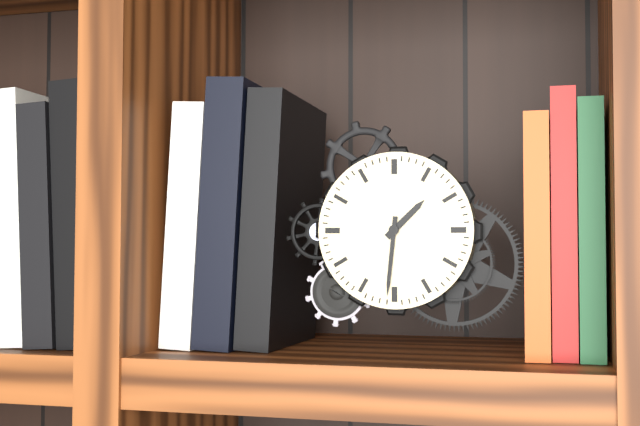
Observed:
1.31
